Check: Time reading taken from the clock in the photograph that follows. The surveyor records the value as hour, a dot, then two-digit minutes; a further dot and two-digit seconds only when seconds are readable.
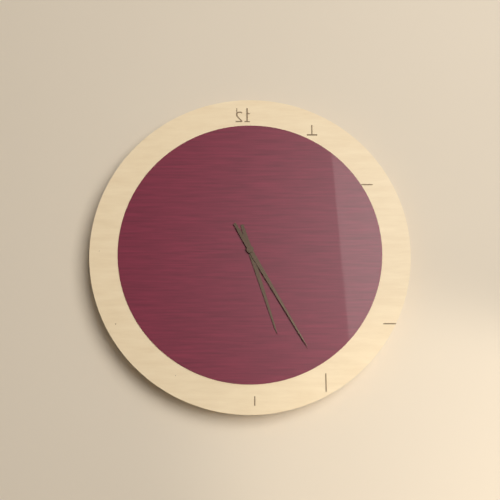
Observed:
5.25
